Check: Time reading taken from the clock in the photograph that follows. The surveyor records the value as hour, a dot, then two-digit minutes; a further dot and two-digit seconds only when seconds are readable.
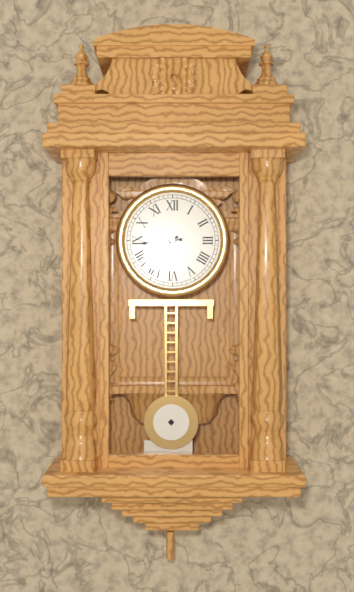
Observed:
7.44
